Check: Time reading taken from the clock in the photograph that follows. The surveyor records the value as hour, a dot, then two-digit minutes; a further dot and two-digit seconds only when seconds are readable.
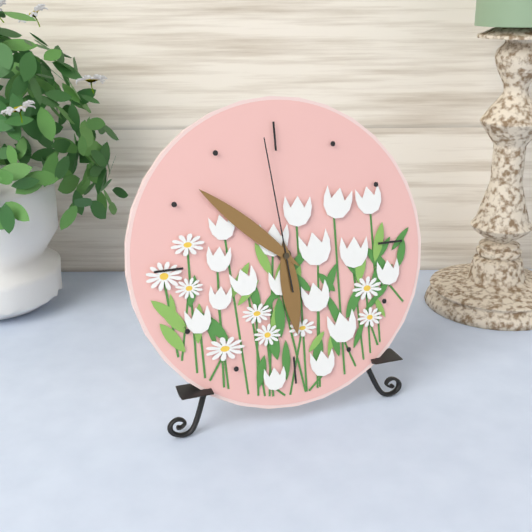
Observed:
5.52.59
